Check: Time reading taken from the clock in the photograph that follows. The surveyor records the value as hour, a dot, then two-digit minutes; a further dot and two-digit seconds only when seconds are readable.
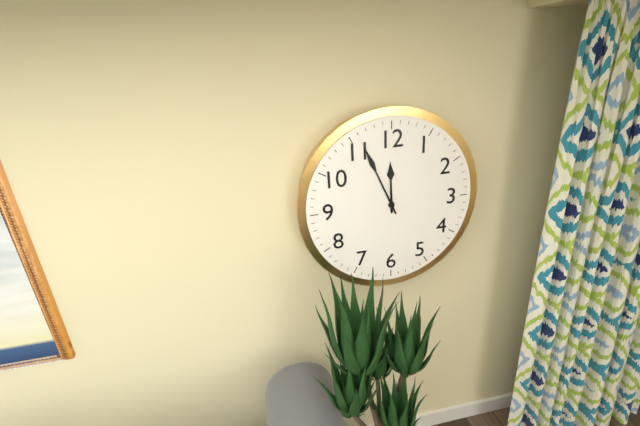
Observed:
11.56
